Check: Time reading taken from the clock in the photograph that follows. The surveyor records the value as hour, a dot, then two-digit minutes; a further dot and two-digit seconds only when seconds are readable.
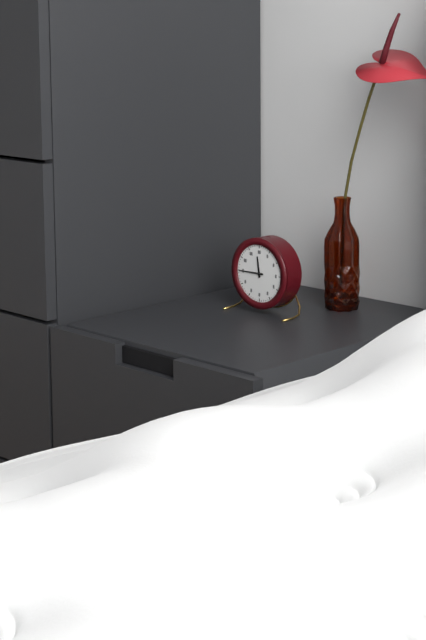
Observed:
11.45
